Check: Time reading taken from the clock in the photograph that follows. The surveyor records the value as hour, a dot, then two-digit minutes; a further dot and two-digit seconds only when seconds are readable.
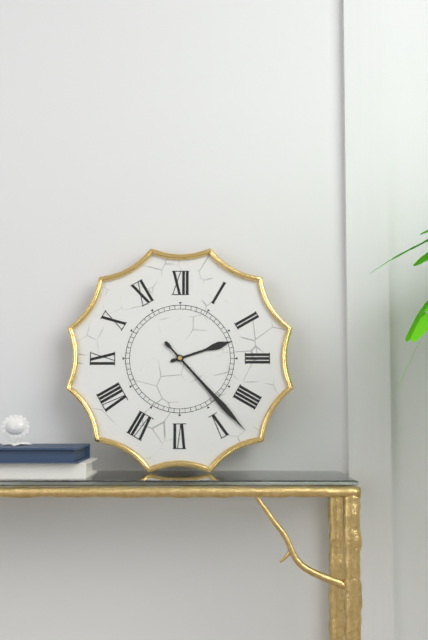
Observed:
2.23
